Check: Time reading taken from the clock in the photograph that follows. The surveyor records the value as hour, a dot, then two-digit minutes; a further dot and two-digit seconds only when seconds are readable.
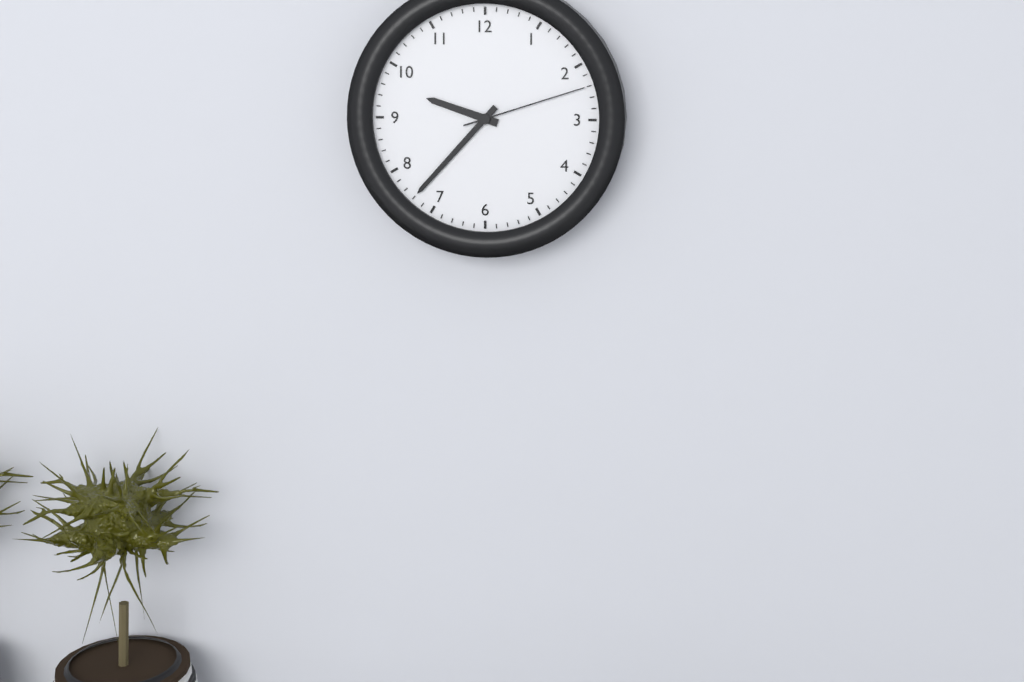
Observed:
9.37.12
